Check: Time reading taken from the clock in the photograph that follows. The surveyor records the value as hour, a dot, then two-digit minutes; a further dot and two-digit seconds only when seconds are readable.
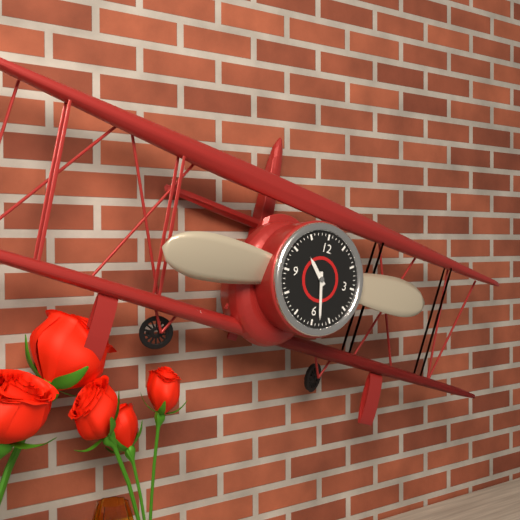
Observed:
10.28
